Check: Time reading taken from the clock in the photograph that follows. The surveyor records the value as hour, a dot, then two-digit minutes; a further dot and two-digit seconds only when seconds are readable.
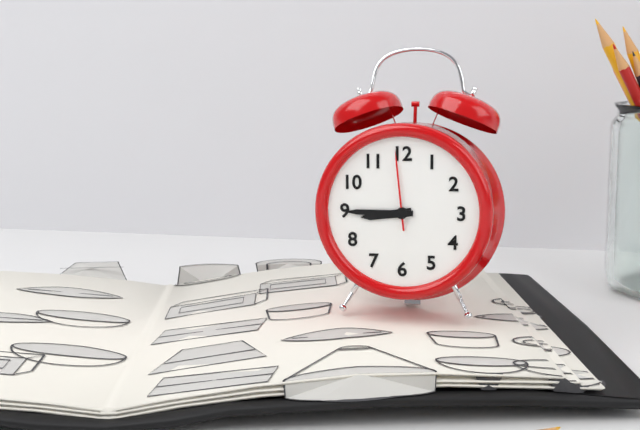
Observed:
8.45.59
